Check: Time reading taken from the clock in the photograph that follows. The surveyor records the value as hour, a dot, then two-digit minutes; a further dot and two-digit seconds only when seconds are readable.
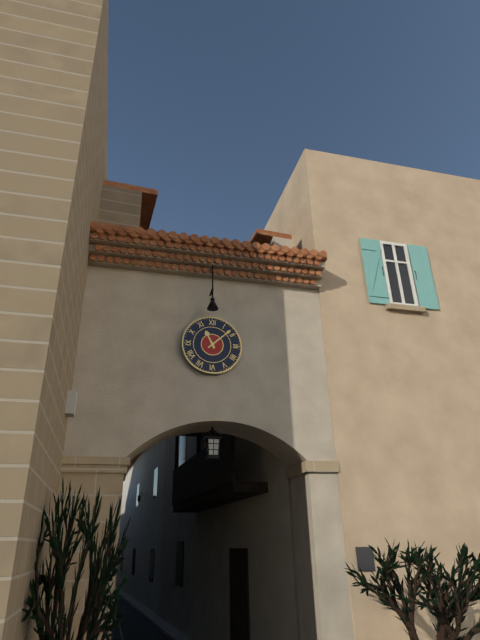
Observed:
11.08
